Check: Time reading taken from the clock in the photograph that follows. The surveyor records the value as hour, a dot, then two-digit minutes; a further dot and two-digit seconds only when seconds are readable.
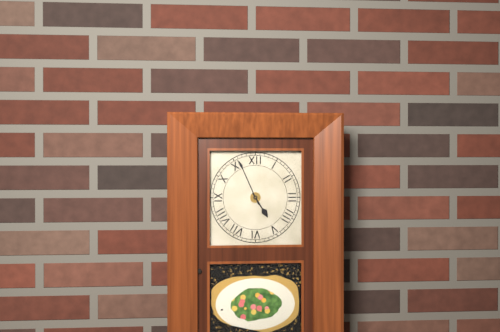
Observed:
4.56
